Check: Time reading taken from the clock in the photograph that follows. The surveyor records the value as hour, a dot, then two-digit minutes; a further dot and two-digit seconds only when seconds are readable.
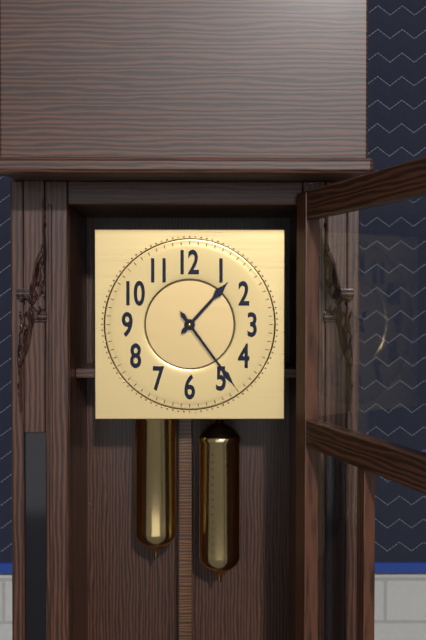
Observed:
1.24
